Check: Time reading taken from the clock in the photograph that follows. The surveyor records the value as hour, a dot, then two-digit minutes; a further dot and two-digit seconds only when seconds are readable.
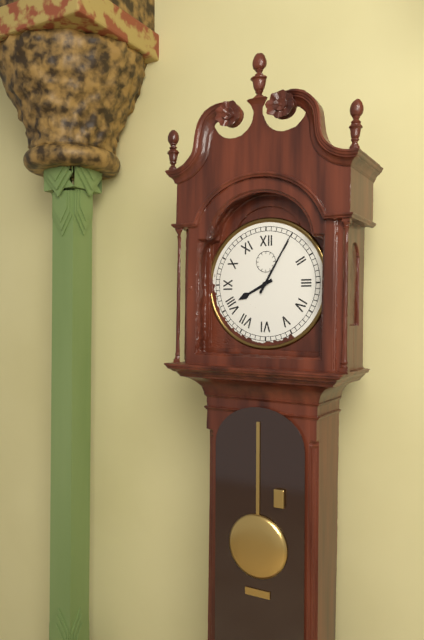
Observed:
8.05
